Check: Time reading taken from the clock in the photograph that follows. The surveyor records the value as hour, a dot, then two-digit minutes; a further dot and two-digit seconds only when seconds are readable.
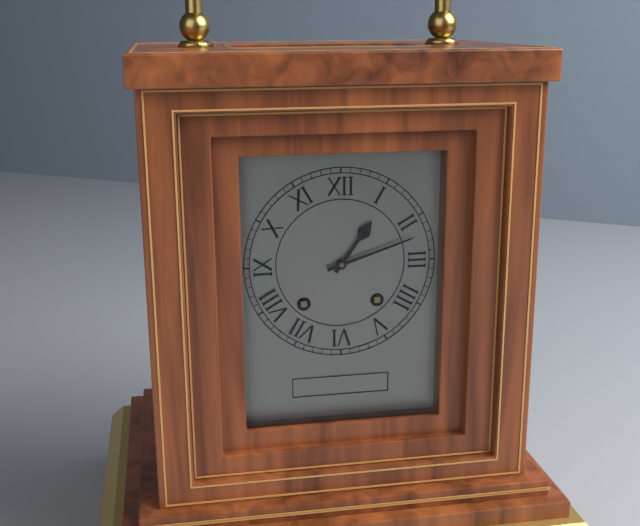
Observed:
1.12
